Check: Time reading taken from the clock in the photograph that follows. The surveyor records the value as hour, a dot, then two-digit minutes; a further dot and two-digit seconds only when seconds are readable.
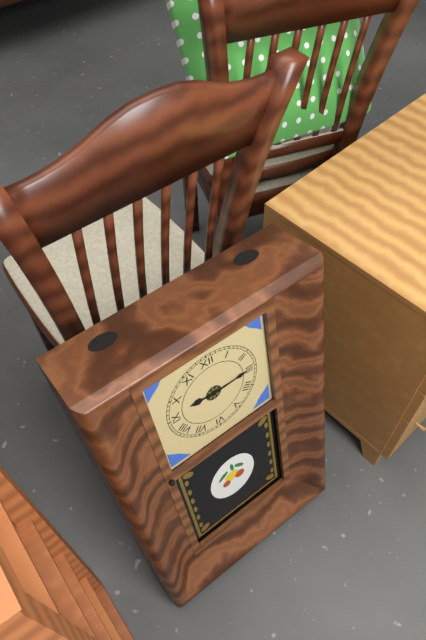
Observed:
9.15
